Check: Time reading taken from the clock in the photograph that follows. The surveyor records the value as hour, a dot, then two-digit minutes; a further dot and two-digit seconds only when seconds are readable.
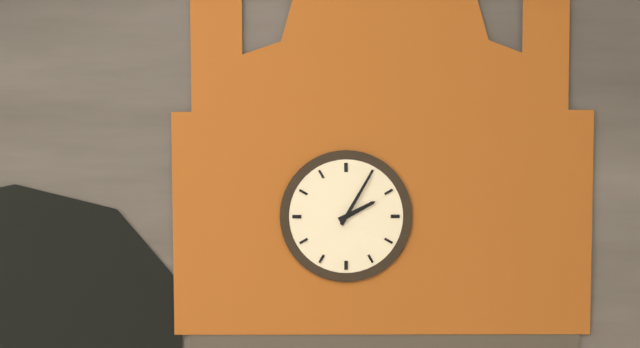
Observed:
2.05
